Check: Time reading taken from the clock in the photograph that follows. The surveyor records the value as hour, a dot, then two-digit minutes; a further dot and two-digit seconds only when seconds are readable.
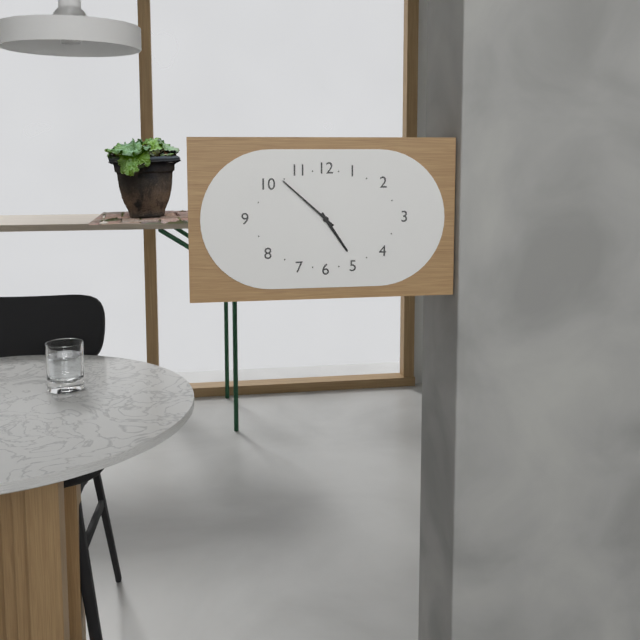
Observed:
4.52
